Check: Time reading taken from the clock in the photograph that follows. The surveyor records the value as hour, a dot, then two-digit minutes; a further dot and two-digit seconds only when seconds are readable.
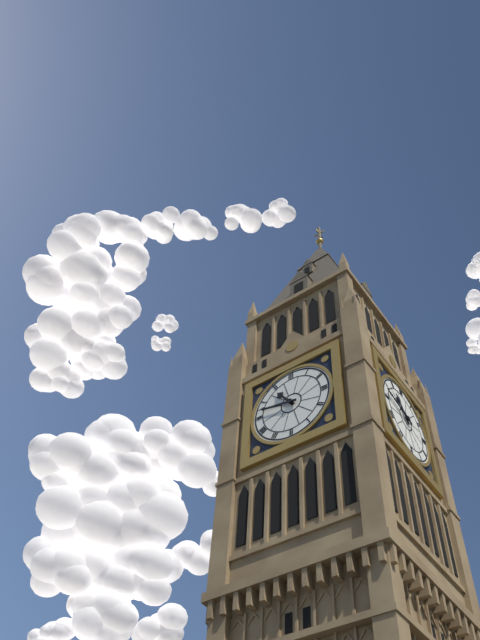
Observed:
10.47
